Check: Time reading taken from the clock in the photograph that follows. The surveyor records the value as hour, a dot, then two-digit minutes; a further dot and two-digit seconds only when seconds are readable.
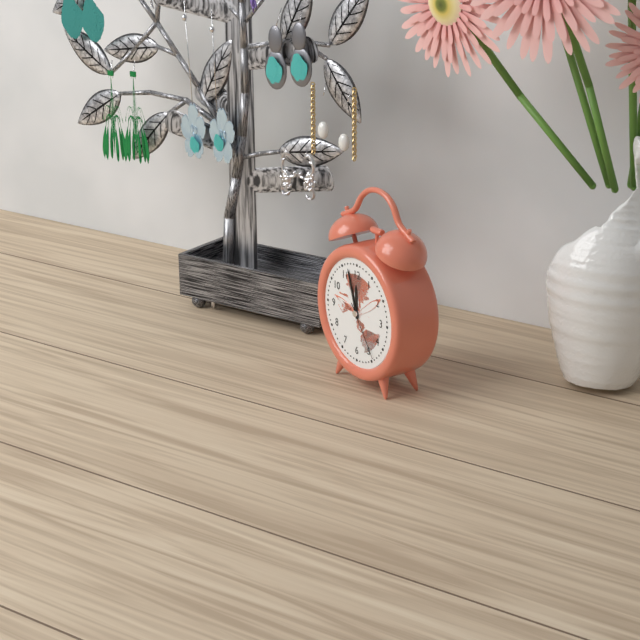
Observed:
11.57.24
